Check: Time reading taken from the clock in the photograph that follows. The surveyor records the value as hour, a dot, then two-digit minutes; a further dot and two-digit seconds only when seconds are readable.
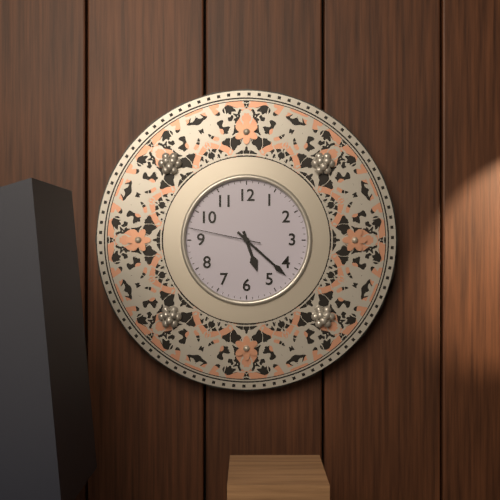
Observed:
5.22.47
